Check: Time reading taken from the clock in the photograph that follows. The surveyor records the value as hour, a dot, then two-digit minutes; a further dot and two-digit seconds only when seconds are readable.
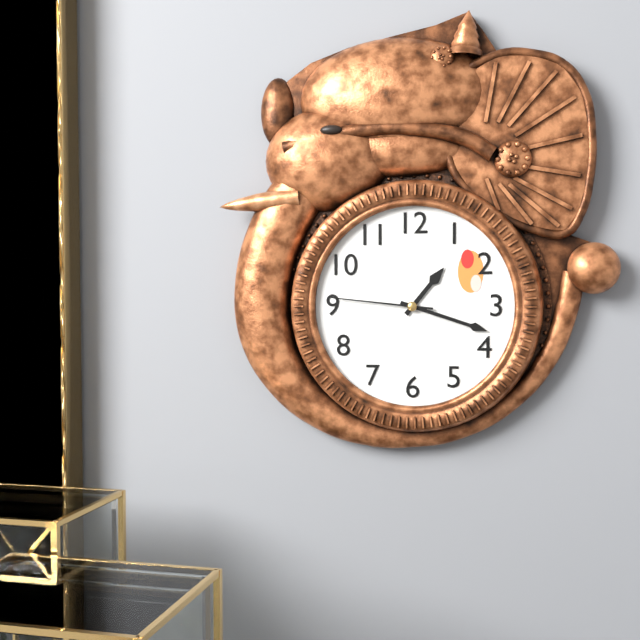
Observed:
1.18.46
